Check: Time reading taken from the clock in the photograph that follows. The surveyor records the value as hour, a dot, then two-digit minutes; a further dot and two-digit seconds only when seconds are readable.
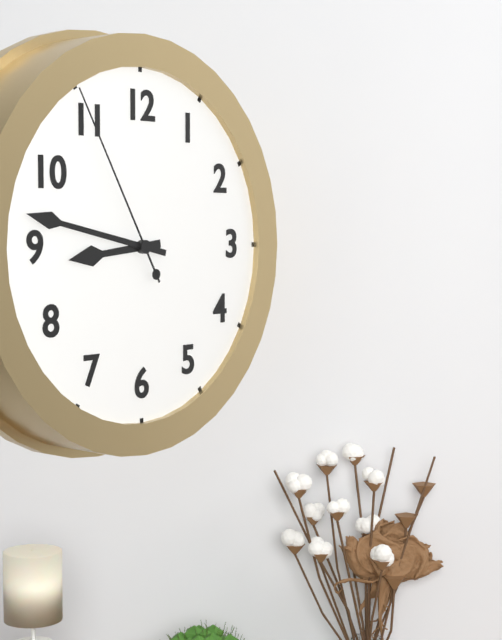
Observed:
8.47.55
